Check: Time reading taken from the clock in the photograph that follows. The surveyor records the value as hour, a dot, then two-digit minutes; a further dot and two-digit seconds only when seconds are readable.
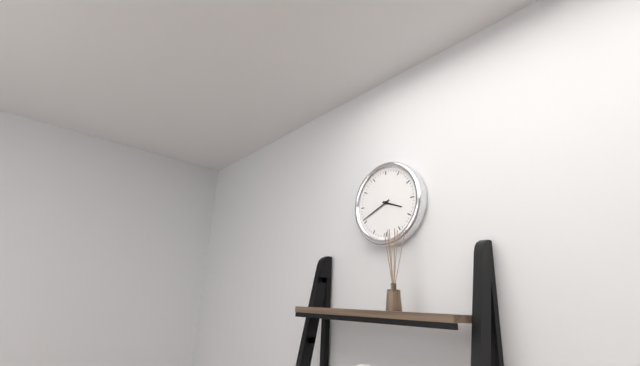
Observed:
3.41
